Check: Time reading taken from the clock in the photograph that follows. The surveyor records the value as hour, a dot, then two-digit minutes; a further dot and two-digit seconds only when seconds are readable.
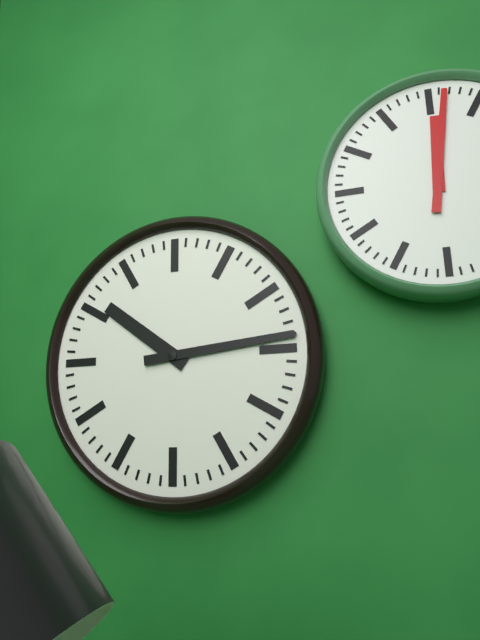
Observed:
10.14
